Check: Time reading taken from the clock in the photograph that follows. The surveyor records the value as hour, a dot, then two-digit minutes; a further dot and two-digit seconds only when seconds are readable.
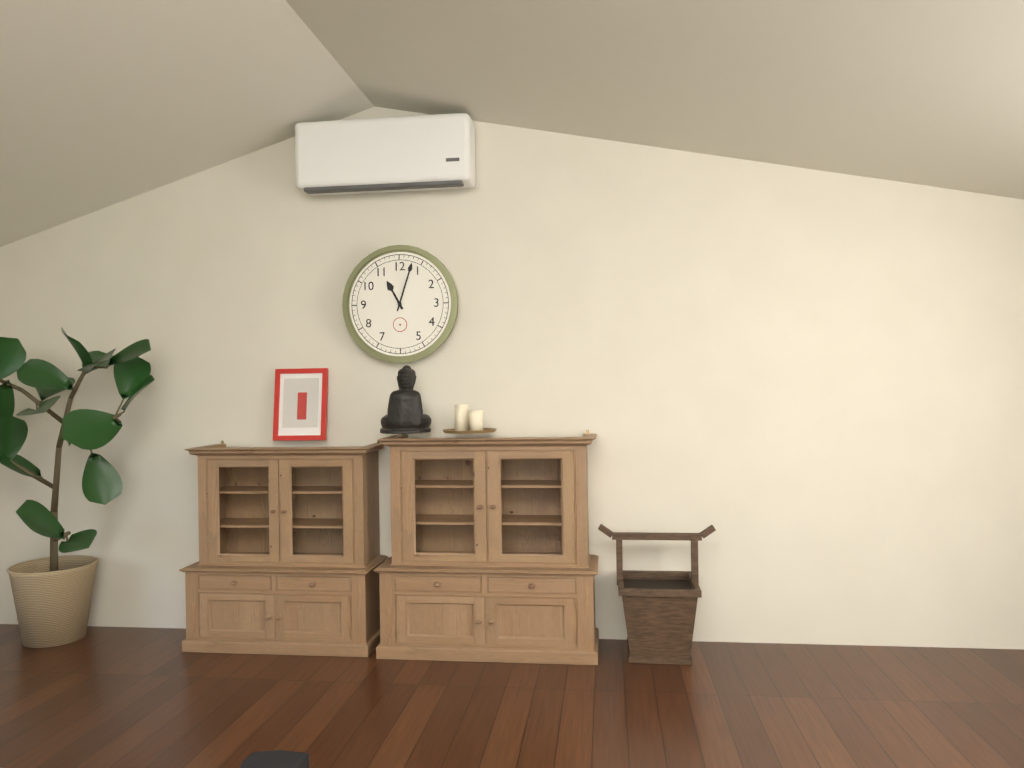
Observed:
11.03
